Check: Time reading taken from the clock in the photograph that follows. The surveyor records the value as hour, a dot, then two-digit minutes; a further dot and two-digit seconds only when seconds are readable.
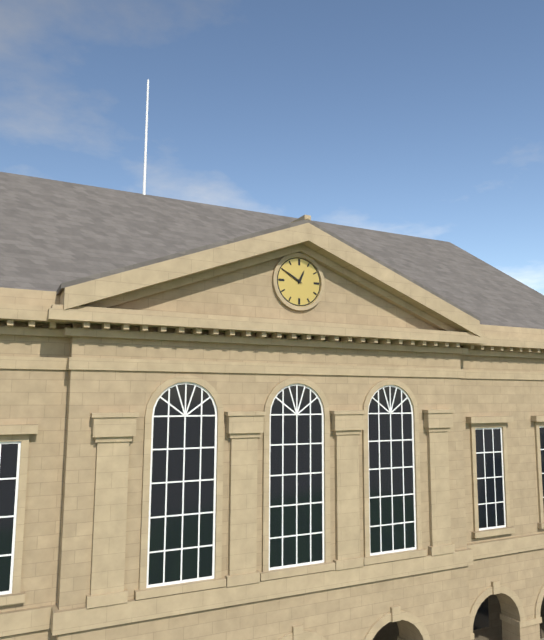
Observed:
12.50
